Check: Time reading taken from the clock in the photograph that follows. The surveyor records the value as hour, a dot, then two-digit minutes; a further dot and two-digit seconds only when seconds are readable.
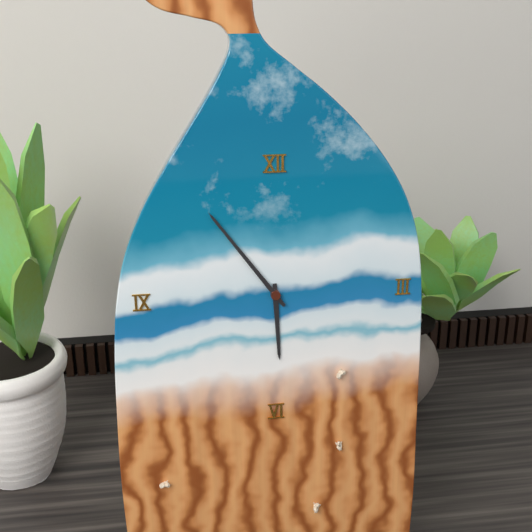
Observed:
5.54
